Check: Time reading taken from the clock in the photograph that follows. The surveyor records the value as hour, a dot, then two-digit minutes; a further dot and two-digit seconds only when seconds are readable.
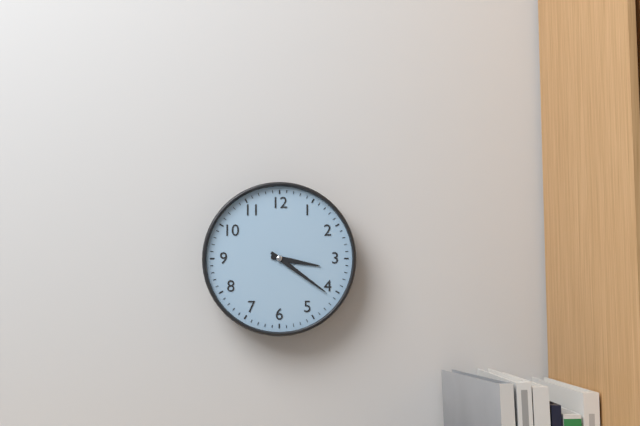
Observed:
3.21
